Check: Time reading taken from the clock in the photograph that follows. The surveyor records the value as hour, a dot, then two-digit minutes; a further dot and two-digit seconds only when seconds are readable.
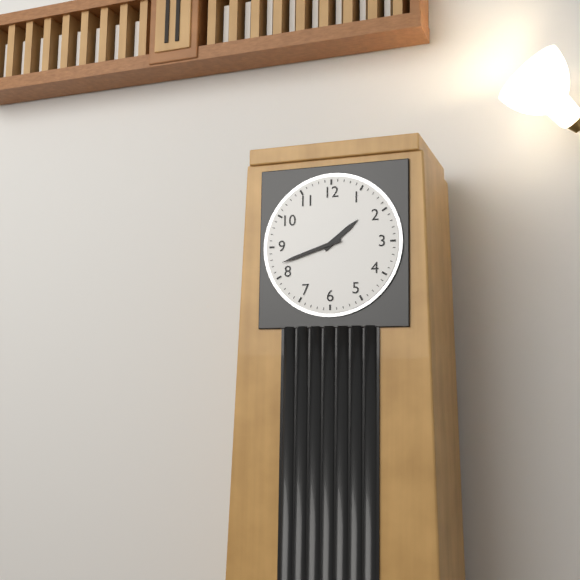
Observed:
1.42
